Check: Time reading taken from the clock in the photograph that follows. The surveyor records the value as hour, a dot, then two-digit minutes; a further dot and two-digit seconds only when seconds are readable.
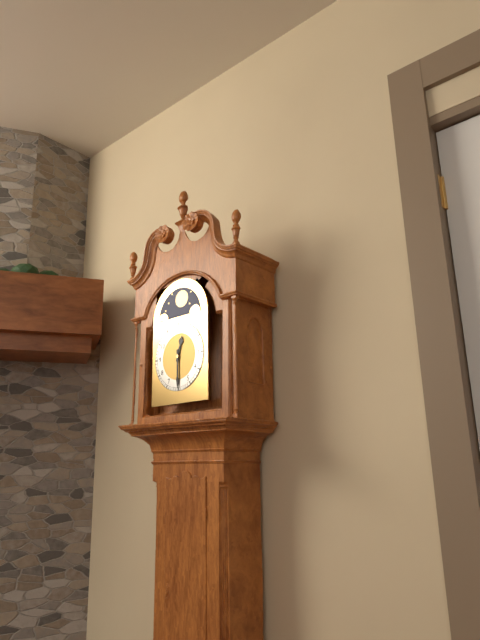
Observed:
12.30
